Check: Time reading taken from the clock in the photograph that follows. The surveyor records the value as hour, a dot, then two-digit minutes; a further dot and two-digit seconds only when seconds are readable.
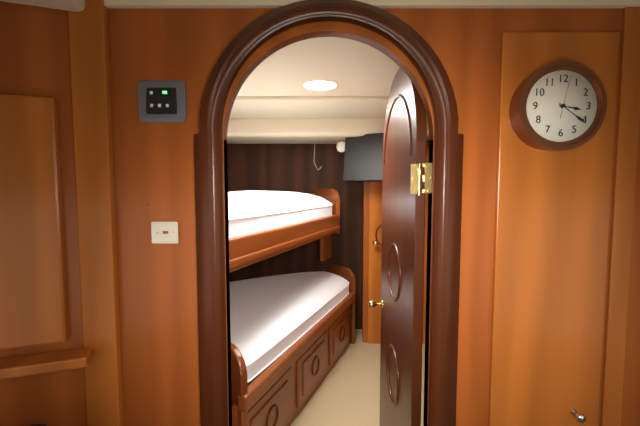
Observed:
3.21
